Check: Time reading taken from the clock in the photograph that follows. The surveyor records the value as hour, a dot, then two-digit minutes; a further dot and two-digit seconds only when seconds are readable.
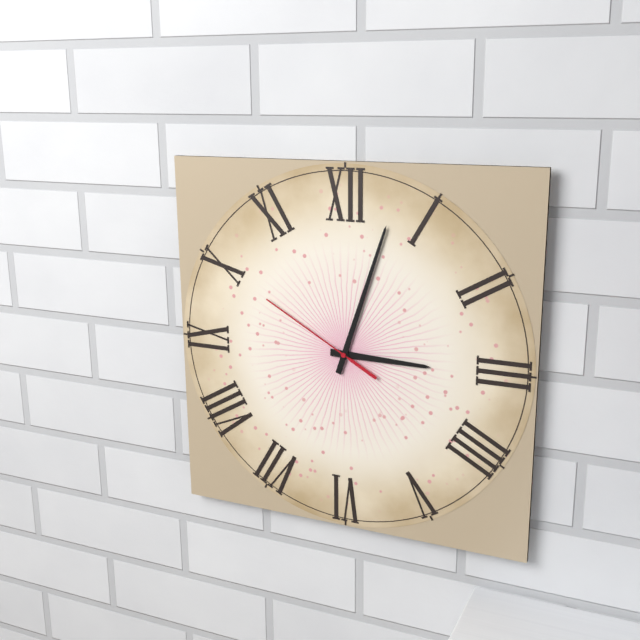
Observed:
3.03.50
